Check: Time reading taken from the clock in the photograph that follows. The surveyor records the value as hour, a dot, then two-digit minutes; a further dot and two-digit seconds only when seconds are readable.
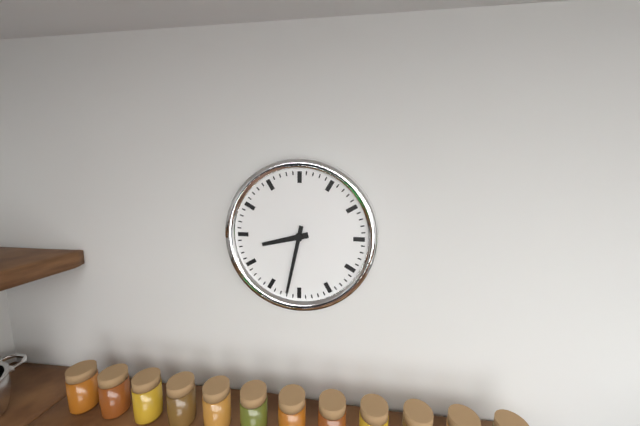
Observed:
8.32
